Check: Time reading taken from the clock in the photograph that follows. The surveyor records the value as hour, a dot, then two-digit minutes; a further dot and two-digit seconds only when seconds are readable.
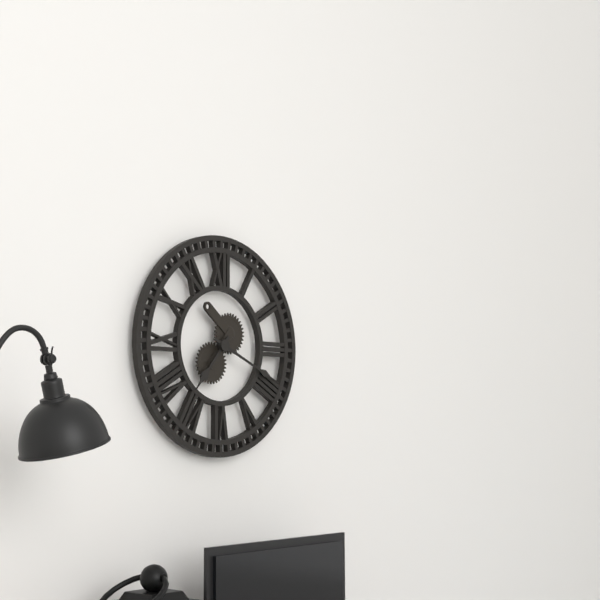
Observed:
7.19
